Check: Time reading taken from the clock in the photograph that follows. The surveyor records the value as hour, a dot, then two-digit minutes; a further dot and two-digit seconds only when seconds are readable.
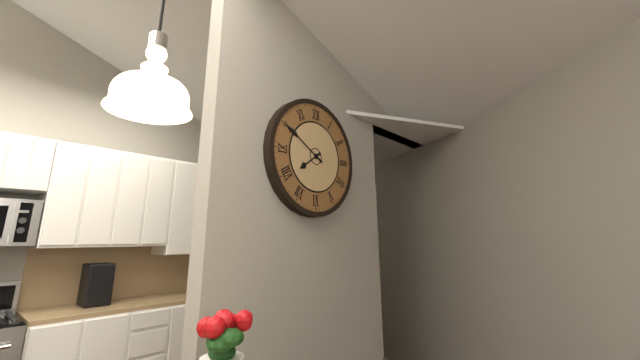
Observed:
7.50
